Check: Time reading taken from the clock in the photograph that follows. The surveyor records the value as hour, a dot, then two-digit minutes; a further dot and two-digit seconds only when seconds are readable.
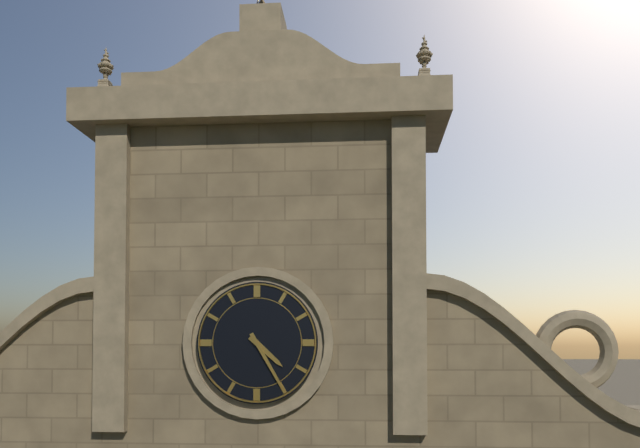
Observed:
4.25
